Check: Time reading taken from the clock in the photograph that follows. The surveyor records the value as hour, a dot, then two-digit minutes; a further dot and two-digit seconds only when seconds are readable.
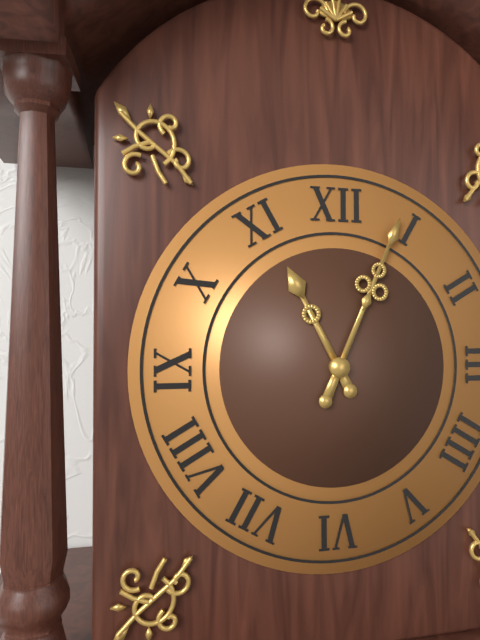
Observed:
11.04
